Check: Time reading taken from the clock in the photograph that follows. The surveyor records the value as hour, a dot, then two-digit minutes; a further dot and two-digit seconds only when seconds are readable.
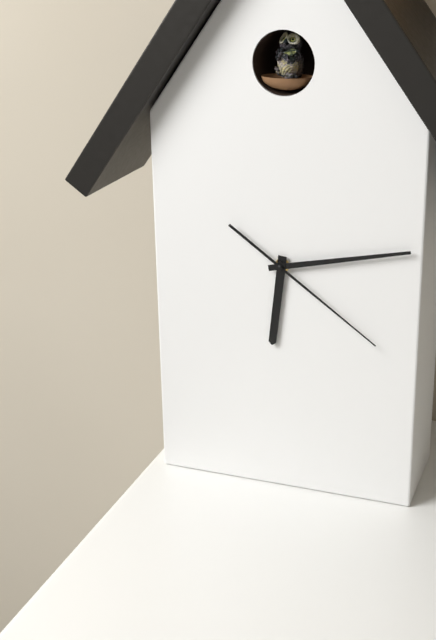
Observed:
6.13.21
